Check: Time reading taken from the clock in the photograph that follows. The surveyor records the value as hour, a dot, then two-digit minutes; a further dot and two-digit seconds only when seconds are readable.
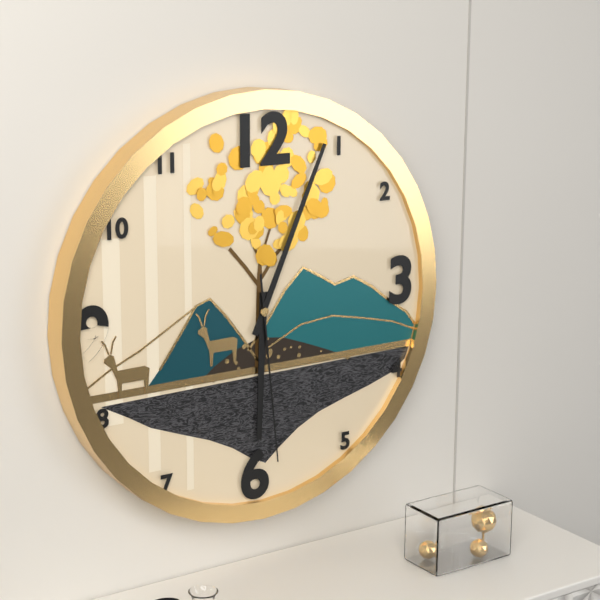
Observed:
6.04.29
